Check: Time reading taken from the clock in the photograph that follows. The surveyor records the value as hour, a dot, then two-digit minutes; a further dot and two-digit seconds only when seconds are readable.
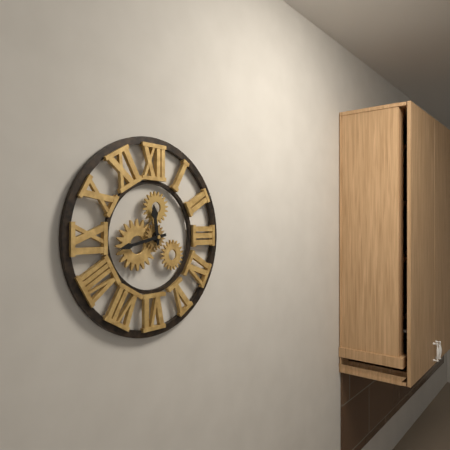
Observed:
11.43
